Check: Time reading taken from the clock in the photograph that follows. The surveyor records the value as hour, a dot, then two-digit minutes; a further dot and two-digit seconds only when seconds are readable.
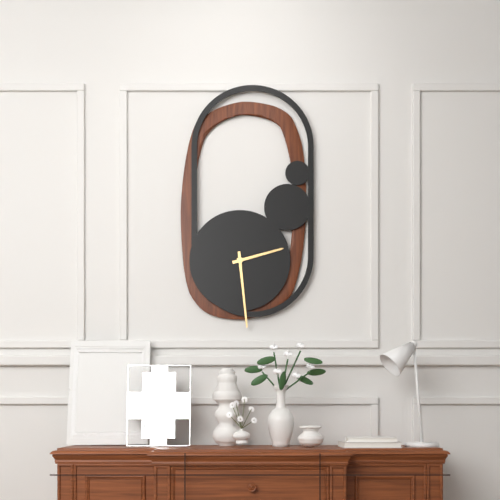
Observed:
2.29
